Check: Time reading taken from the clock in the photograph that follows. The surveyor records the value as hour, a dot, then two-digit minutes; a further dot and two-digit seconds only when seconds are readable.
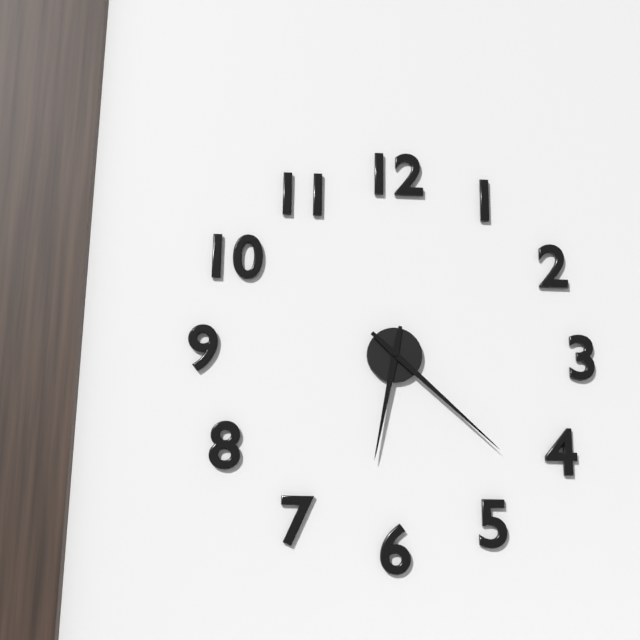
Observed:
6.22
